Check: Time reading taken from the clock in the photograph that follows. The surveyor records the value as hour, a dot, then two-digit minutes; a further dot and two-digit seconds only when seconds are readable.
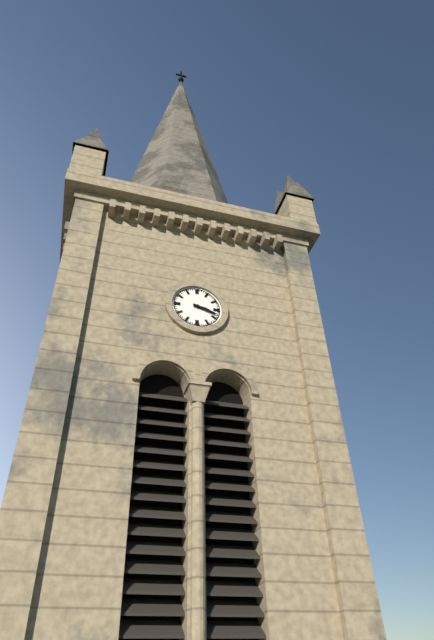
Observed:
3.18
